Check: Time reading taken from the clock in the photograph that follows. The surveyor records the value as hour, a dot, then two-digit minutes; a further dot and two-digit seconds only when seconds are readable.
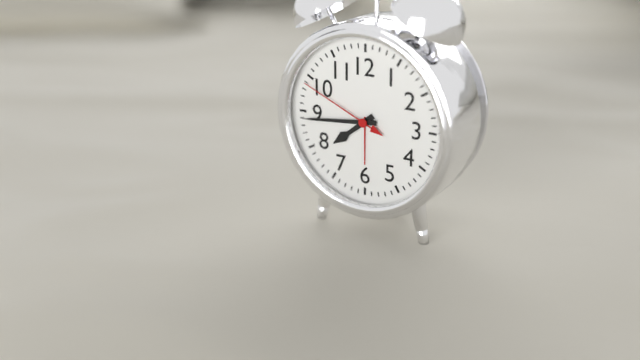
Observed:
7.44.49
